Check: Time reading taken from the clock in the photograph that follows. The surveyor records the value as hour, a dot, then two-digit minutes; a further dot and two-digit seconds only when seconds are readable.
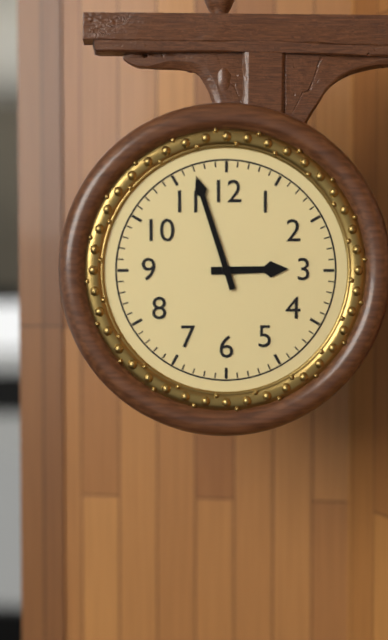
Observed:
2.57
